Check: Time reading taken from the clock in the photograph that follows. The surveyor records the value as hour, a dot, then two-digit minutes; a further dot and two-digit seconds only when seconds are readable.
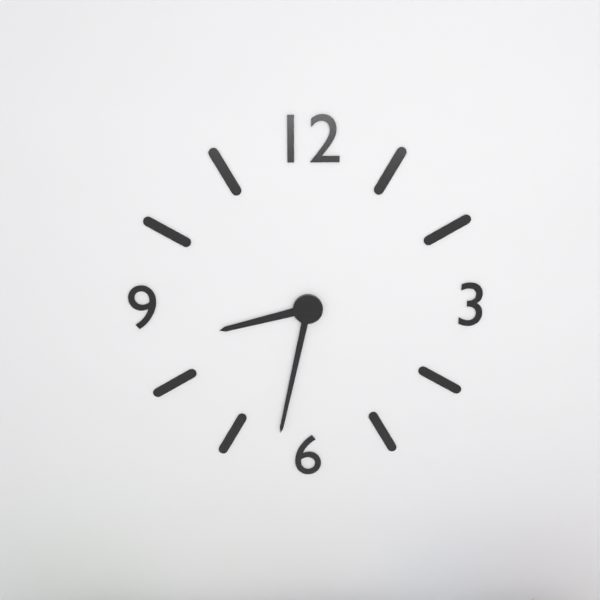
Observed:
8.32
